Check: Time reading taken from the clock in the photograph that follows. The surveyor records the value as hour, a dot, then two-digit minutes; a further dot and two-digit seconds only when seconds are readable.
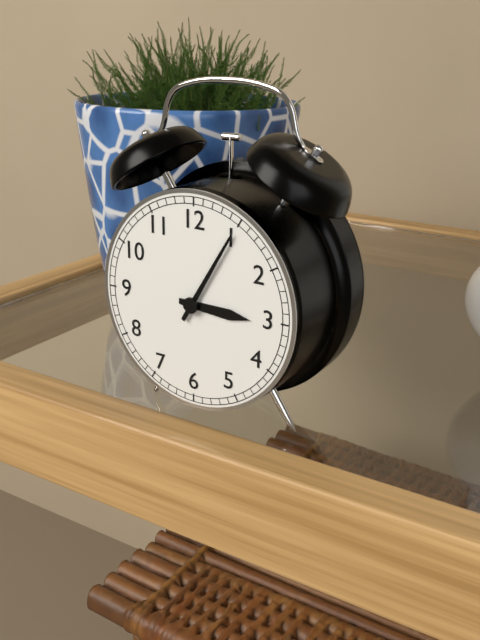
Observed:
3.05
